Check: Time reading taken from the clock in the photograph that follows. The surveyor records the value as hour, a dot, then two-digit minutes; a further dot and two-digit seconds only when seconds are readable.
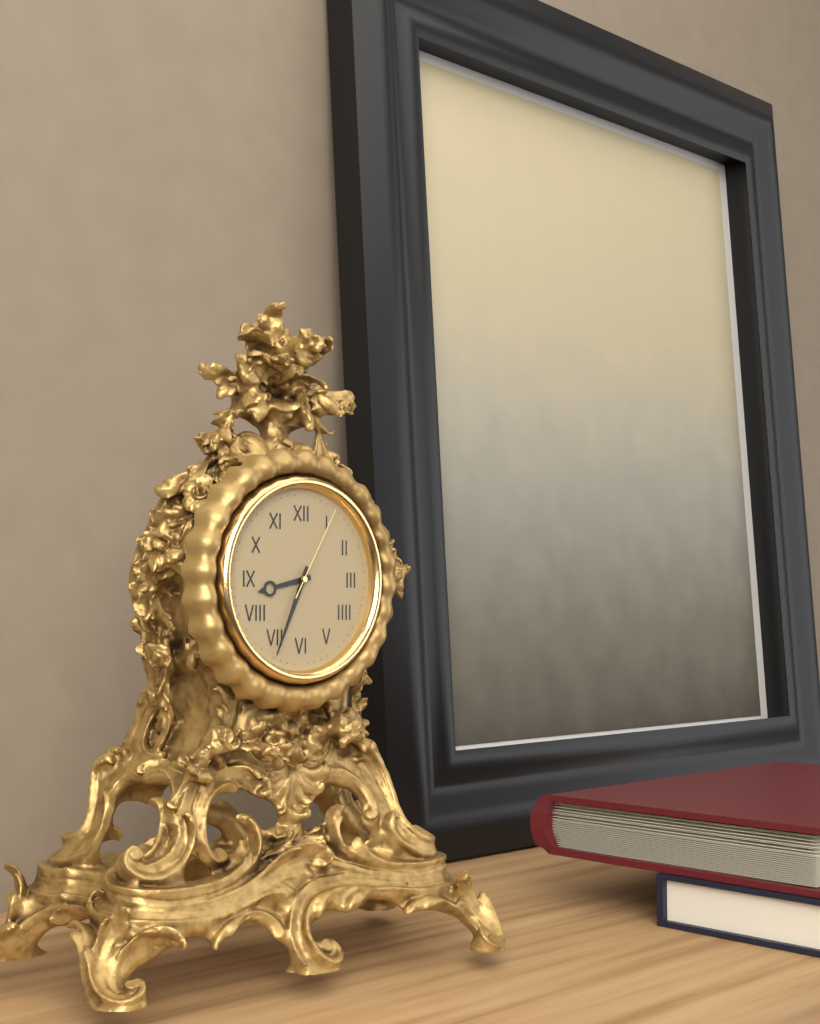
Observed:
8.34.05
